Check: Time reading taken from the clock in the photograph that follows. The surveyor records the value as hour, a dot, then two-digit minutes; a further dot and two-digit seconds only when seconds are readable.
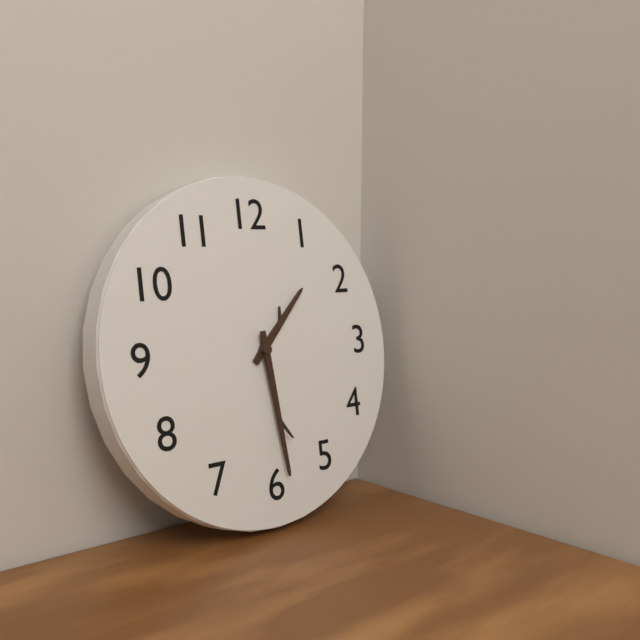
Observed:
1.29
